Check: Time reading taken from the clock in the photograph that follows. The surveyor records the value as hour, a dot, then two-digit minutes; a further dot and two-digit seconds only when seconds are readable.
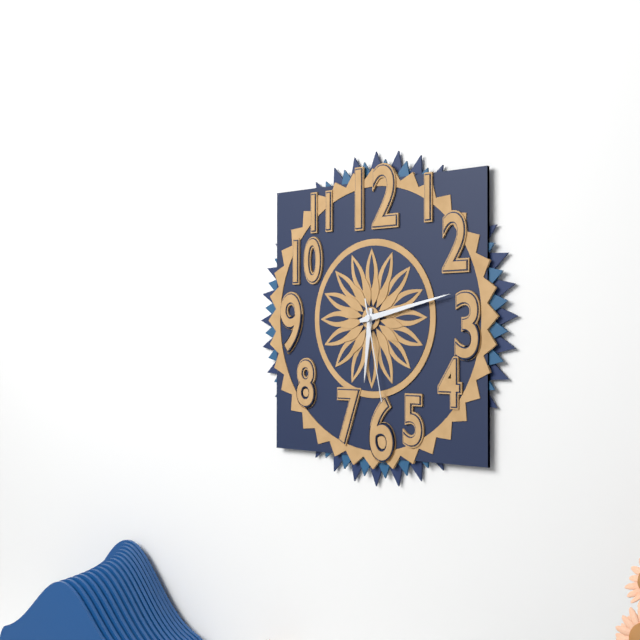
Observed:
6.13.28
